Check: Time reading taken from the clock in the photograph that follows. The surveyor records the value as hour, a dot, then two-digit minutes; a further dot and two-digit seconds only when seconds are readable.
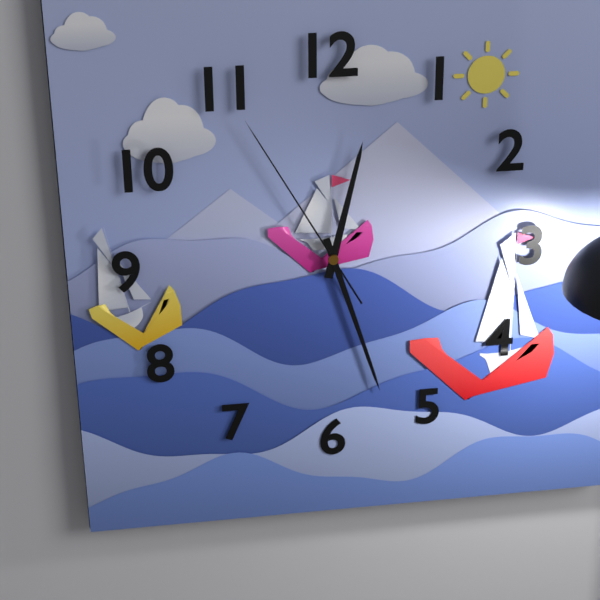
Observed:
12.27.55
